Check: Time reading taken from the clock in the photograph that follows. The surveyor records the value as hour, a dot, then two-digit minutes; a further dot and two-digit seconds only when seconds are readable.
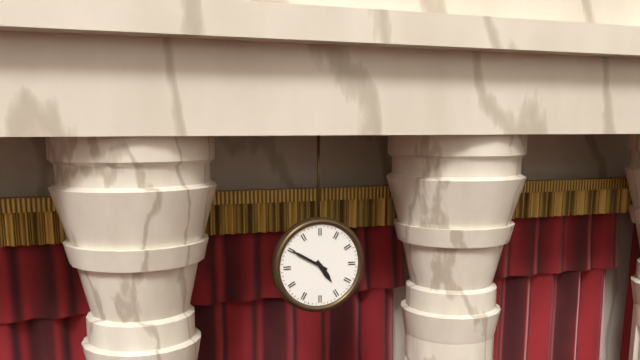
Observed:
4.50
